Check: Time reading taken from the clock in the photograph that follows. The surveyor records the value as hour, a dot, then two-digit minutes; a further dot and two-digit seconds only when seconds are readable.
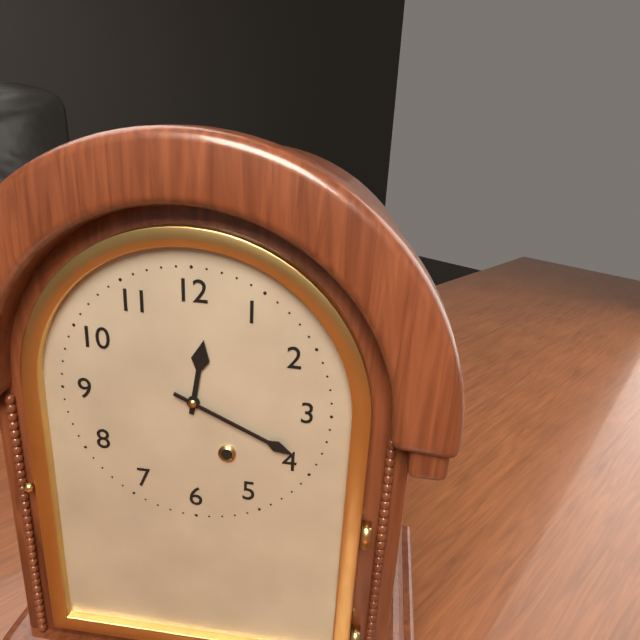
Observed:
12.19
